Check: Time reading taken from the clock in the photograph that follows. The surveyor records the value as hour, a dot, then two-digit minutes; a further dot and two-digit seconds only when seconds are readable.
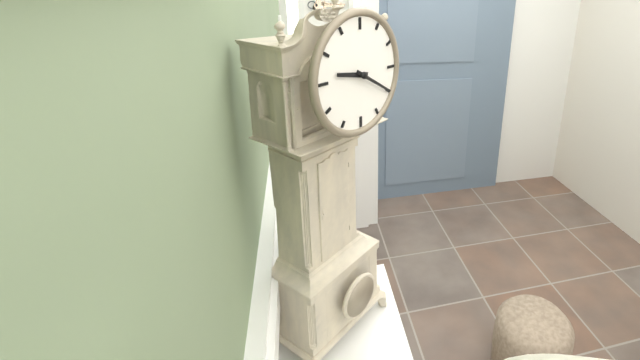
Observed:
9.20
